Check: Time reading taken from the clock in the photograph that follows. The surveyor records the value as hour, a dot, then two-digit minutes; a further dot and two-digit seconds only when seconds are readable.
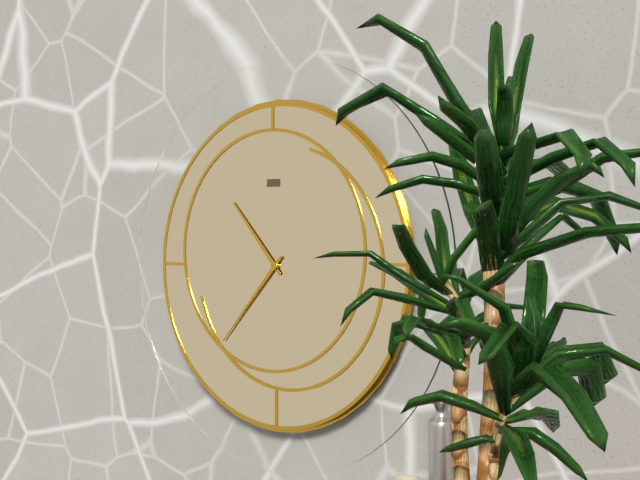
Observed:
10.37
